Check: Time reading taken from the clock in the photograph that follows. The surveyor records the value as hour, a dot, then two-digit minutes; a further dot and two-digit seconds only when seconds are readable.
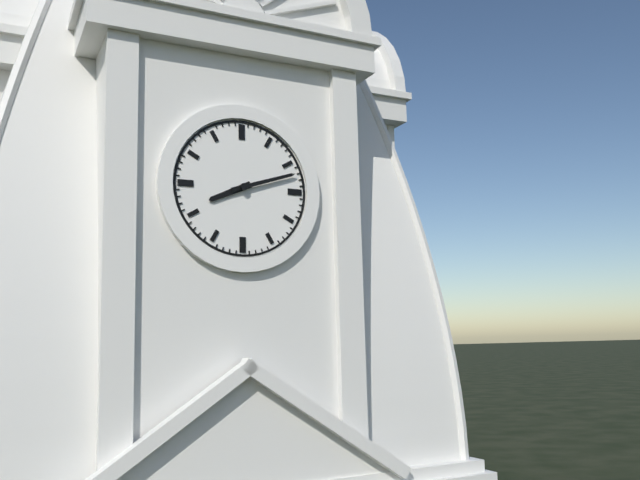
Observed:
8.12
